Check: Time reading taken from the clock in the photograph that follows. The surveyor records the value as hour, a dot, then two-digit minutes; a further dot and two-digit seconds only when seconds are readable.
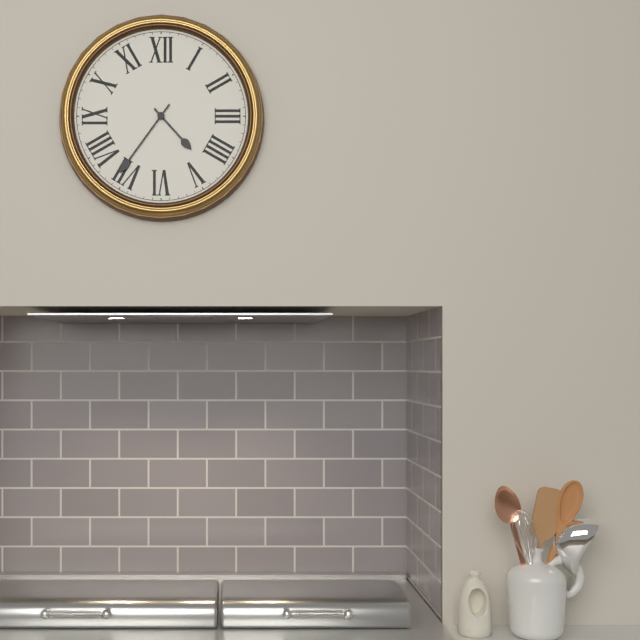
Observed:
4.36
